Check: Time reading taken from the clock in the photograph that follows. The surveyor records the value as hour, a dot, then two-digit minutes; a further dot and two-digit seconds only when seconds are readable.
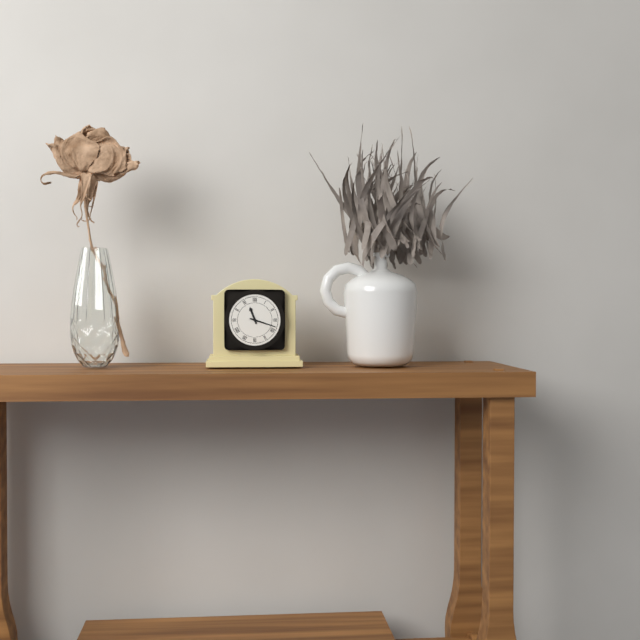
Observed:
11.18
